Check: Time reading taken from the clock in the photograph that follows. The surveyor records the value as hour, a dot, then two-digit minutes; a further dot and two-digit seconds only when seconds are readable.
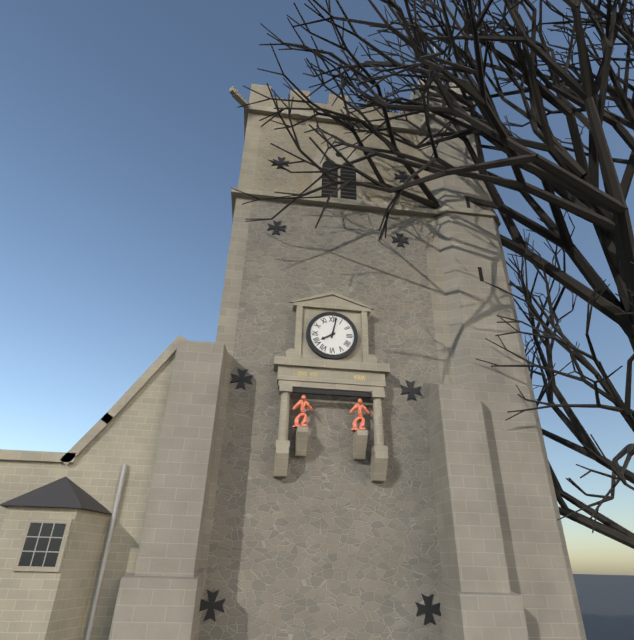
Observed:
8.02
